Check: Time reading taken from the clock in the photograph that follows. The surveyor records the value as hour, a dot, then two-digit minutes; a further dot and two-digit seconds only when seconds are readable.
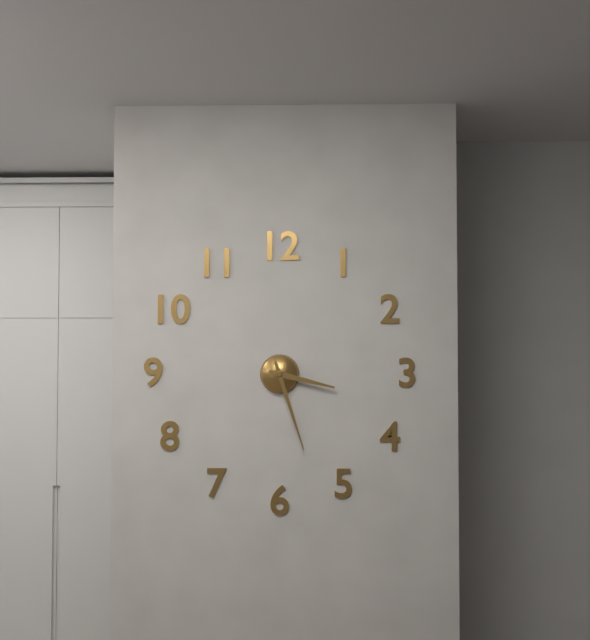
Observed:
3.27
